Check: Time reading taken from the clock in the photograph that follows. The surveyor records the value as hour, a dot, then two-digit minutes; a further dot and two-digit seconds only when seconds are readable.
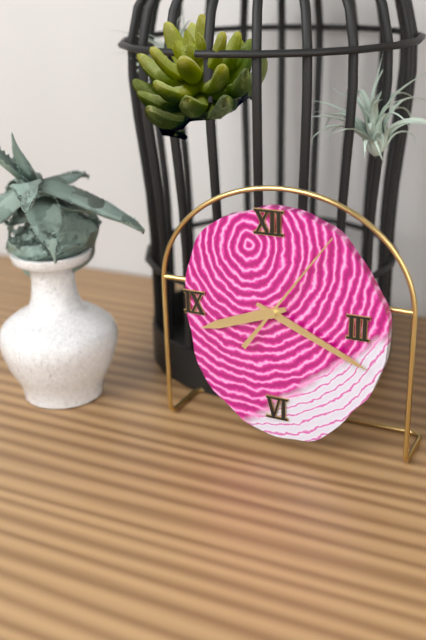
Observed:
8.19.06
